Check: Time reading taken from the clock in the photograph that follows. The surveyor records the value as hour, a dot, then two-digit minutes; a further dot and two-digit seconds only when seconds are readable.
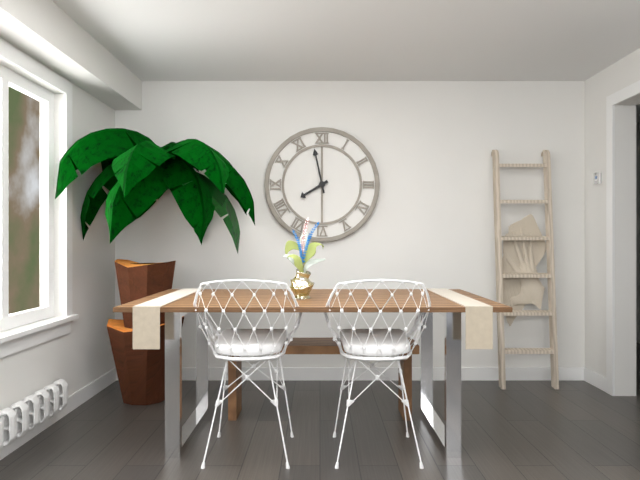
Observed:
7.58
